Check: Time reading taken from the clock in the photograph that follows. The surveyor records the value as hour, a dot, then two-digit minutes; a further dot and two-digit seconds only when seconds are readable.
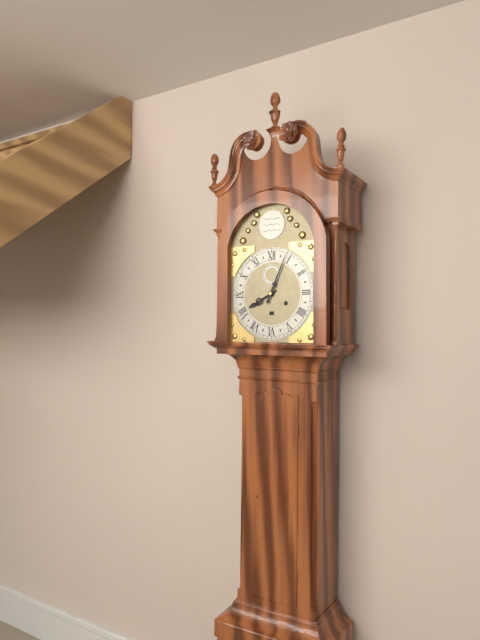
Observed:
8.04
